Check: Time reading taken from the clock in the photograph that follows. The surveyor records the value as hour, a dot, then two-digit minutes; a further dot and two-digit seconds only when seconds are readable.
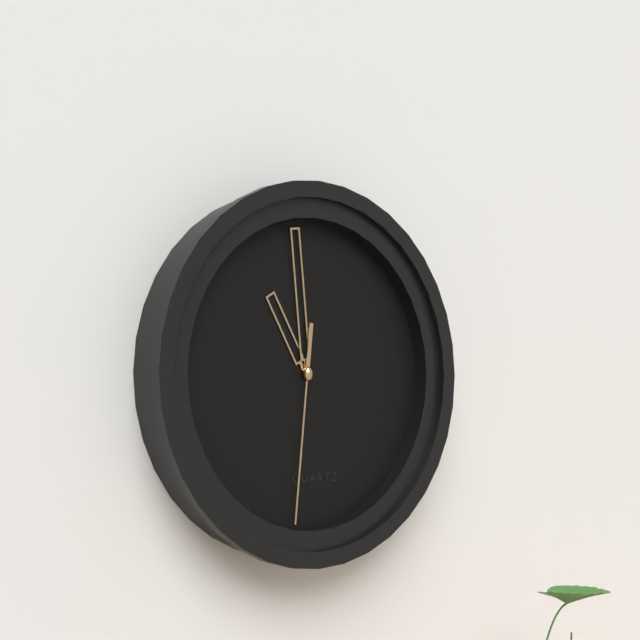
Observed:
10.59.31
